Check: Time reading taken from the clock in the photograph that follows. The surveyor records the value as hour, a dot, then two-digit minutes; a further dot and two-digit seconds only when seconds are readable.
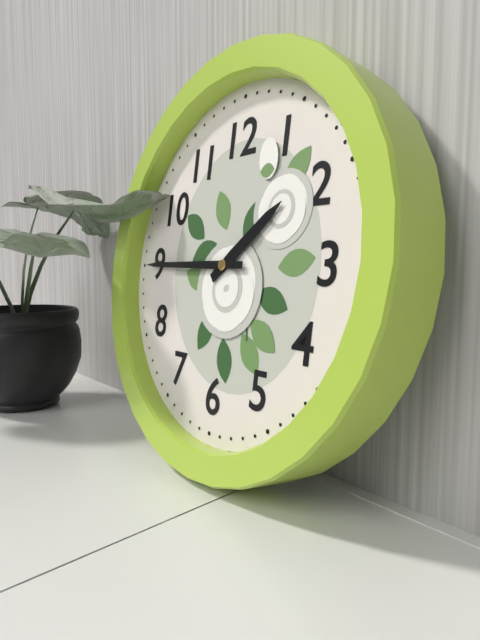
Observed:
1.45
